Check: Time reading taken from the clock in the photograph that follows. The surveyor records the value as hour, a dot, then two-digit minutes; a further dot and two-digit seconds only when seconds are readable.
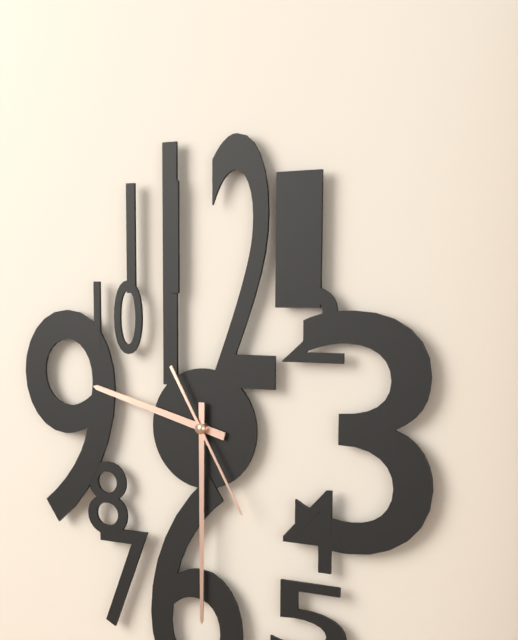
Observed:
9.30.25
